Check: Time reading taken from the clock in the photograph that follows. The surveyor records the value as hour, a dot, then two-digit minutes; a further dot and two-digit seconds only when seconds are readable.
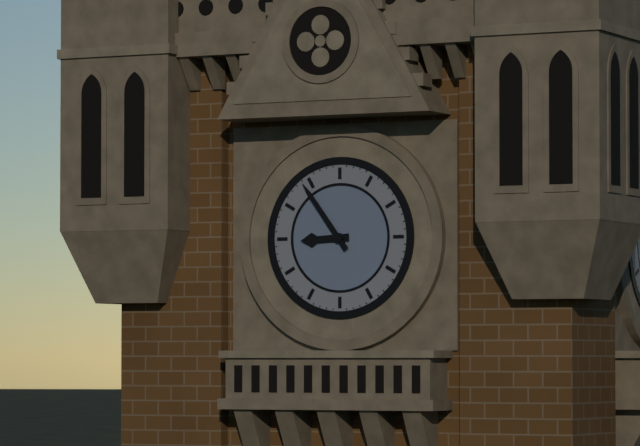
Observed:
8.54
